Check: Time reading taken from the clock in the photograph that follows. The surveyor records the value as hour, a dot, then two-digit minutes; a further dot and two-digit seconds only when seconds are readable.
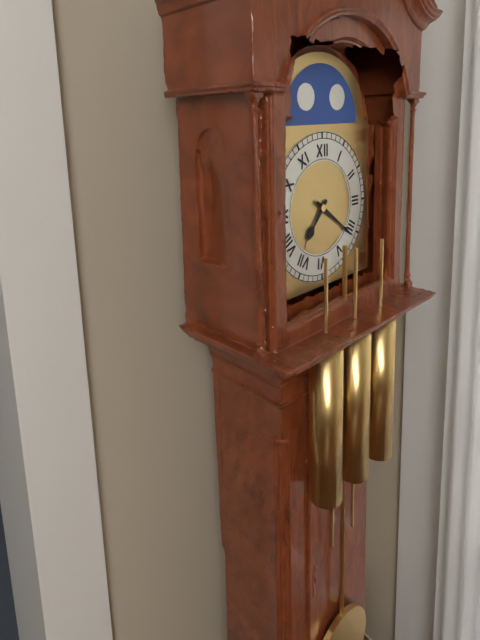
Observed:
7.21
